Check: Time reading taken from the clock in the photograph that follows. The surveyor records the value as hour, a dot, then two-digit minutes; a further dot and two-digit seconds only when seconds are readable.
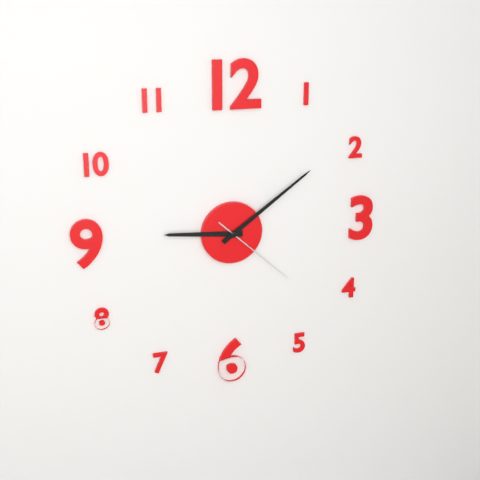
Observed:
9.09.22
